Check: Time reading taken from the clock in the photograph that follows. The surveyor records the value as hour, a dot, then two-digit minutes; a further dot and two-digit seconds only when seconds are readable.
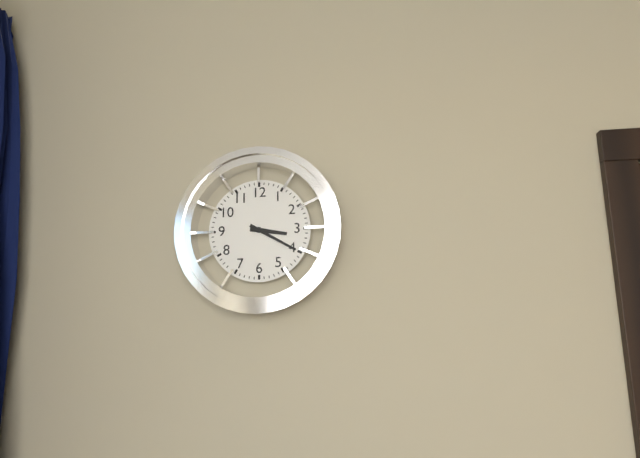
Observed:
3.20
